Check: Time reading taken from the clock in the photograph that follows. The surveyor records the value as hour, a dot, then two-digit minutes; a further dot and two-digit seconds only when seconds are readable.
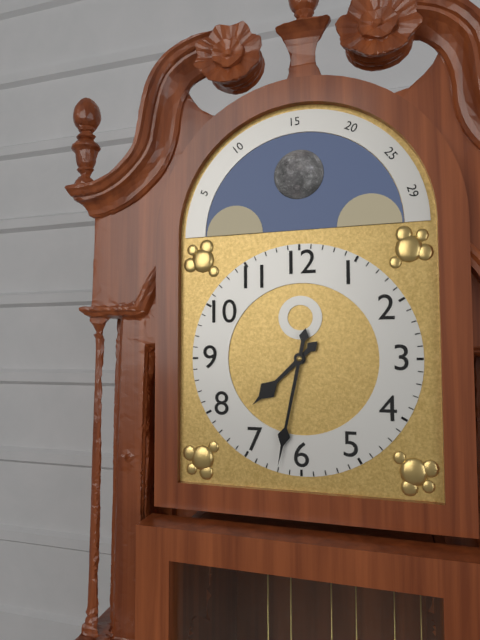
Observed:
7.32
